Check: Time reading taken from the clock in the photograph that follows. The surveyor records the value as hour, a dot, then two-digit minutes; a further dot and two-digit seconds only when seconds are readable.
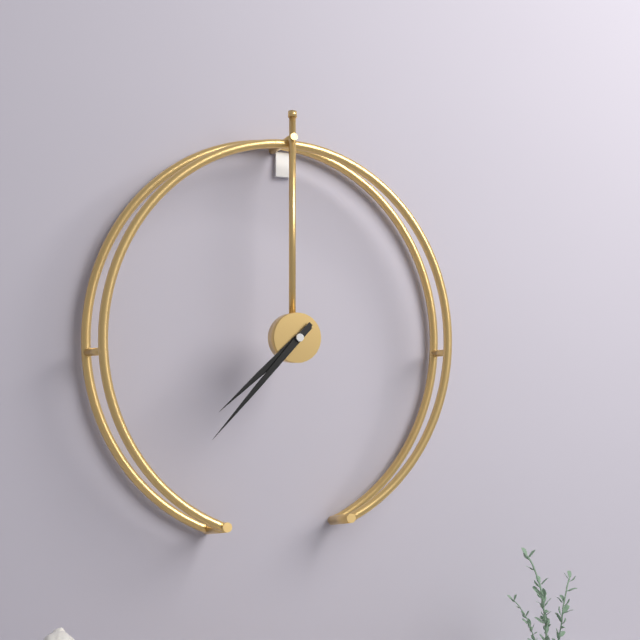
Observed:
7.37
